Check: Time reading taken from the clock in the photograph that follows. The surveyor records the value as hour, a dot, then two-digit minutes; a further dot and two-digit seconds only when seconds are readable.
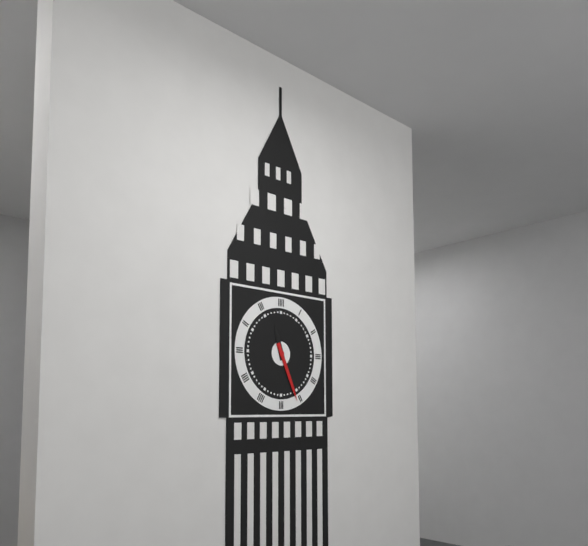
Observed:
11.26
